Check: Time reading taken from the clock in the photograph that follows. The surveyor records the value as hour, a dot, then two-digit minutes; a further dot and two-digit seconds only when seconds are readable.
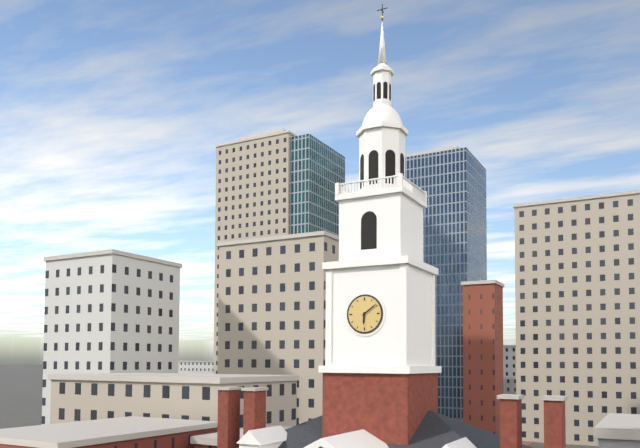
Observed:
6.09
